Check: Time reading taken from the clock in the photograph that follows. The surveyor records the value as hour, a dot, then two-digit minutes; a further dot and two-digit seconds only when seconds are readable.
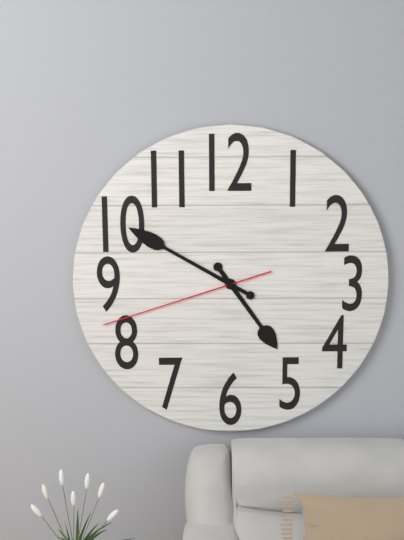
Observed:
4.50.42
